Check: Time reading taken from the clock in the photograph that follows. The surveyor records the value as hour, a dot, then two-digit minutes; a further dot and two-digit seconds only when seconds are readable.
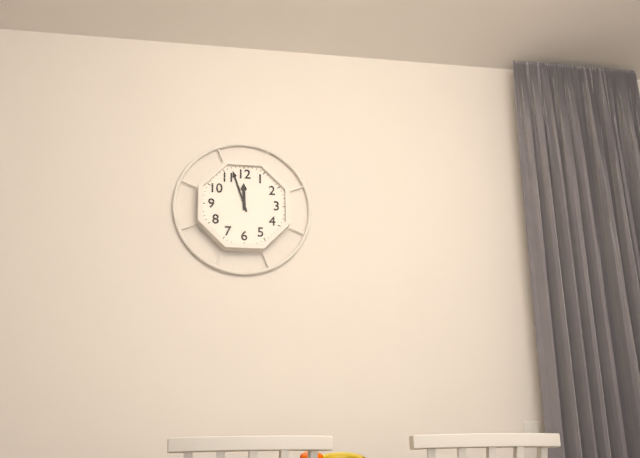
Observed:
11.57
